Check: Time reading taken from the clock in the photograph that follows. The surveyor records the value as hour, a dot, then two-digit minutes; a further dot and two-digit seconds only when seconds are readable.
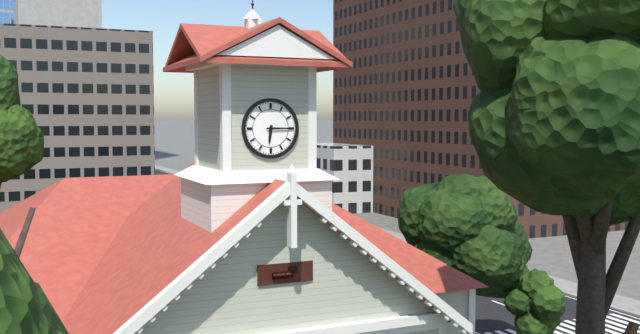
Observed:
6.15
